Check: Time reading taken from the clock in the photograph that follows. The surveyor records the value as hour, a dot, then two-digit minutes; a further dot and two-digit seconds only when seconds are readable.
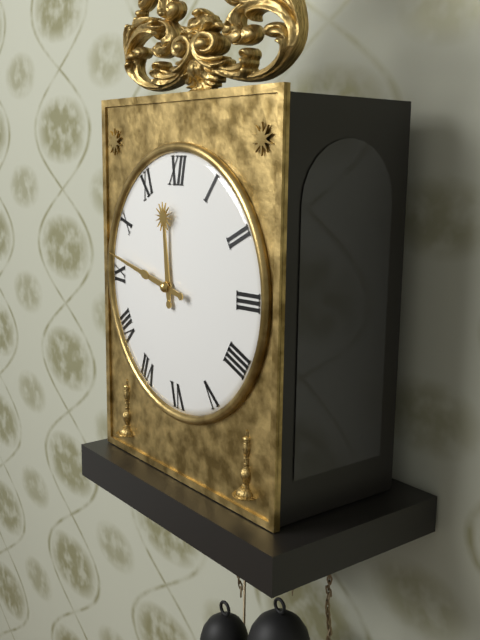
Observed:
11.47
